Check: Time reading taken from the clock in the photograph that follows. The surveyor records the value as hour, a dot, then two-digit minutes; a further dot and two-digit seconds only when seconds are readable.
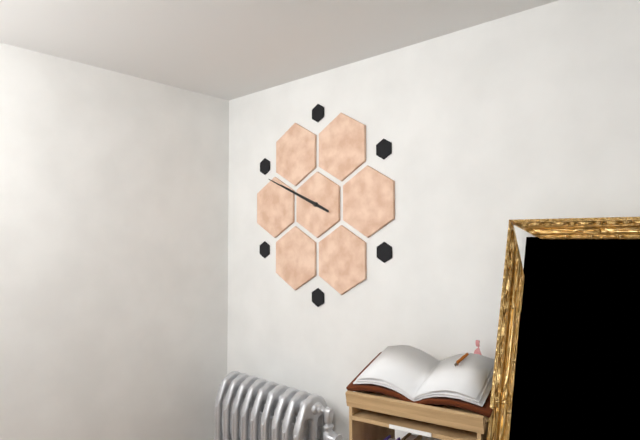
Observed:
9.49
